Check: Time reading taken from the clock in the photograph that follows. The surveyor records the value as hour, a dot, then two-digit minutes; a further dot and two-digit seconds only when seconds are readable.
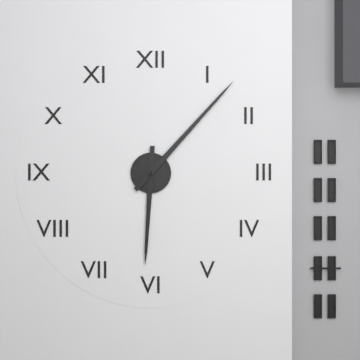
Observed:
6.07
